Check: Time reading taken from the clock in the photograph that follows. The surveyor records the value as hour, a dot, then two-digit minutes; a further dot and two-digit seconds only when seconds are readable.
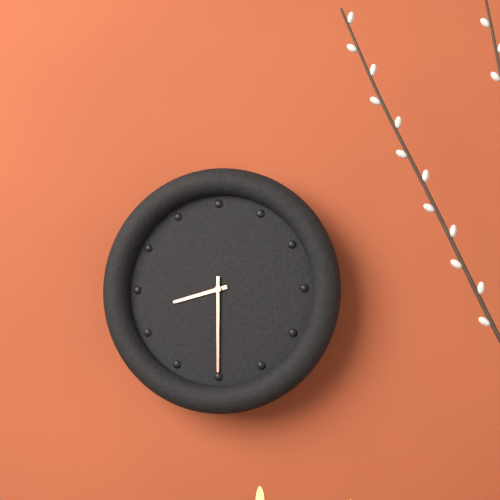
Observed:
8.30
